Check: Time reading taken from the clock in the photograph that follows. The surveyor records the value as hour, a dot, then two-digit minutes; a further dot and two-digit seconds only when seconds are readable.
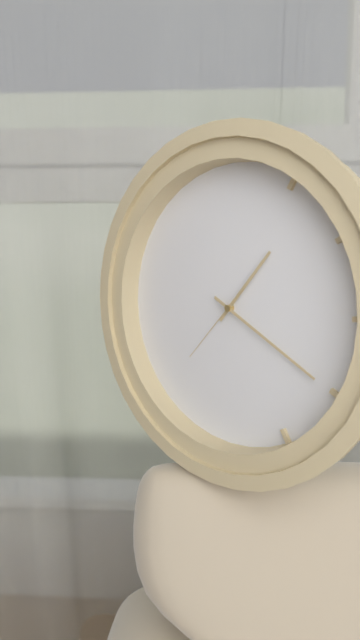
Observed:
1.20.37
